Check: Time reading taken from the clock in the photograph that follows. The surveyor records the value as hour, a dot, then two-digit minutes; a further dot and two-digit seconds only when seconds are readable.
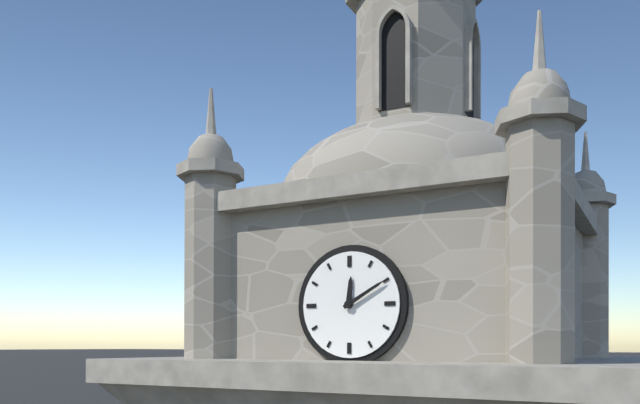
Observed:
12.10
